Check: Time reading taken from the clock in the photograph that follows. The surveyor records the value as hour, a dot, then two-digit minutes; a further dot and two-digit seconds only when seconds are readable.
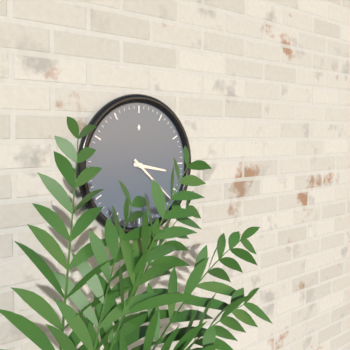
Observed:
3.22
